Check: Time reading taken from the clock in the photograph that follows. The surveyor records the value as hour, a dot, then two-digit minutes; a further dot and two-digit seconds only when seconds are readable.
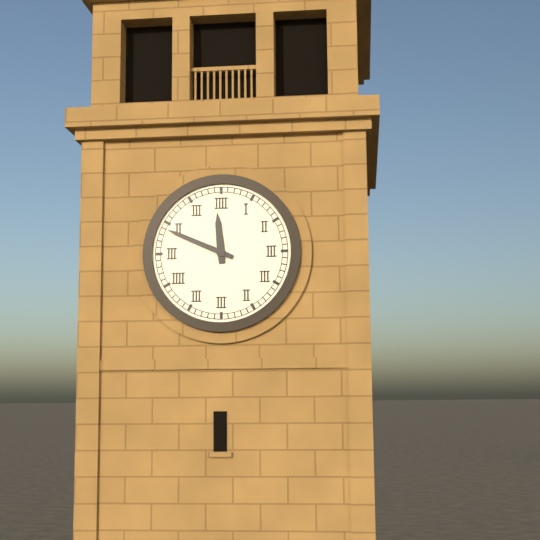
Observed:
11.49
